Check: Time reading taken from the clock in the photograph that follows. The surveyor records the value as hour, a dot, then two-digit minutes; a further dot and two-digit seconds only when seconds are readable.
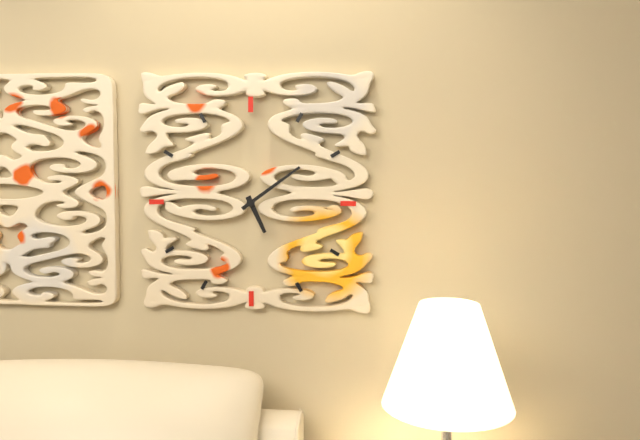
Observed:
5.09
